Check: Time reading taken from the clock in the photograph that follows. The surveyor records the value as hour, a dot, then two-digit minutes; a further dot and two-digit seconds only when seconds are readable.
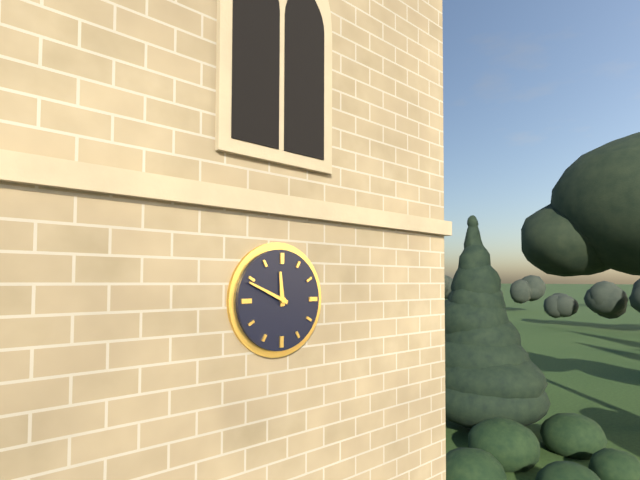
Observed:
11.49
